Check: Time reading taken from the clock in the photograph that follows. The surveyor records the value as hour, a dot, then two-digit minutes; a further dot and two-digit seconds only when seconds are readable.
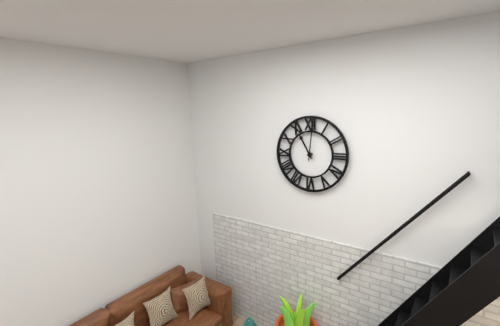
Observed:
11.01
